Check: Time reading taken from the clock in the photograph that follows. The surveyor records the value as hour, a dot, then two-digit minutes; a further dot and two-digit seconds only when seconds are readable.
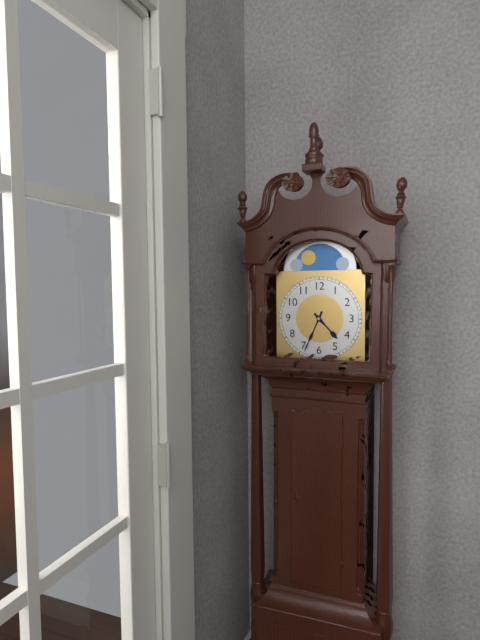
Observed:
4.34
